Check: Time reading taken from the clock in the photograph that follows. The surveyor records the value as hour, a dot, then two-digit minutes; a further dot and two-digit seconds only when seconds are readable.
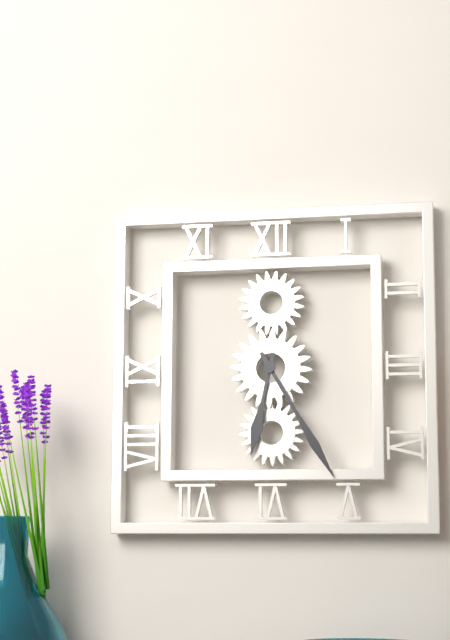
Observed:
6.25
